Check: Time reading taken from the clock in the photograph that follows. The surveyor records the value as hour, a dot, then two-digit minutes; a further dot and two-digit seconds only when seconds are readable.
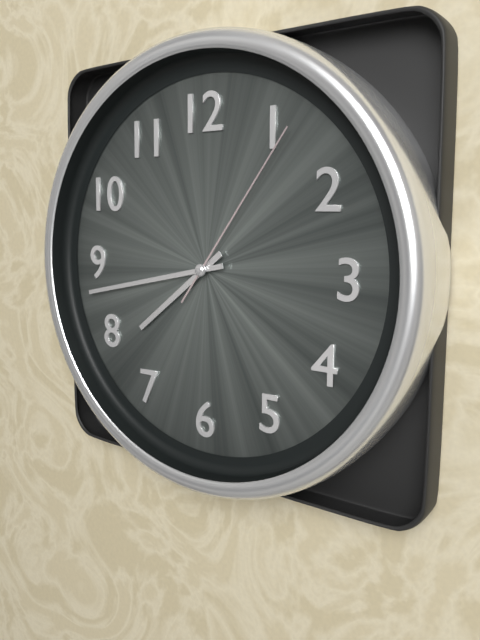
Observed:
7.43.06
